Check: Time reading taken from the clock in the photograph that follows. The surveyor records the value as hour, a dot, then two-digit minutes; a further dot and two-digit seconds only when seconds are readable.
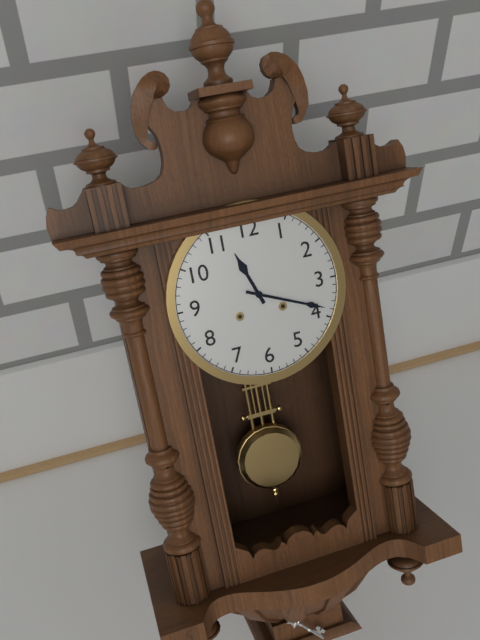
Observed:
11.19
